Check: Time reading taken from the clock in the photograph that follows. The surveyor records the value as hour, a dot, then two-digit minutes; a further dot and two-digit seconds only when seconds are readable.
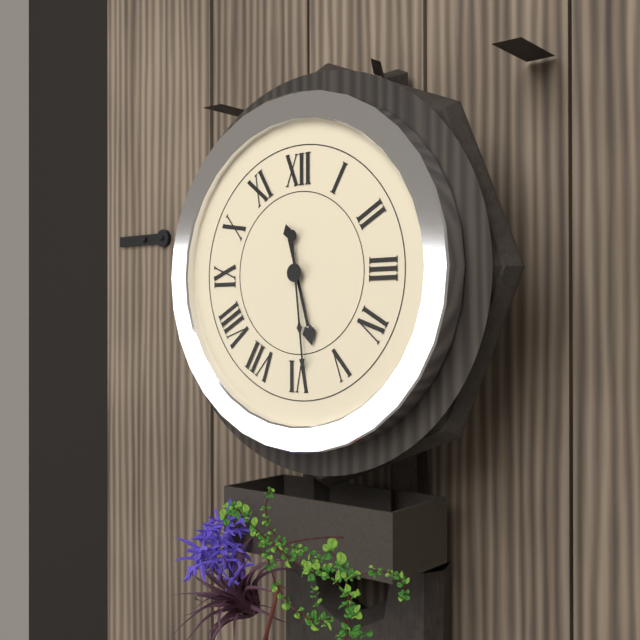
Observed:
5.29
